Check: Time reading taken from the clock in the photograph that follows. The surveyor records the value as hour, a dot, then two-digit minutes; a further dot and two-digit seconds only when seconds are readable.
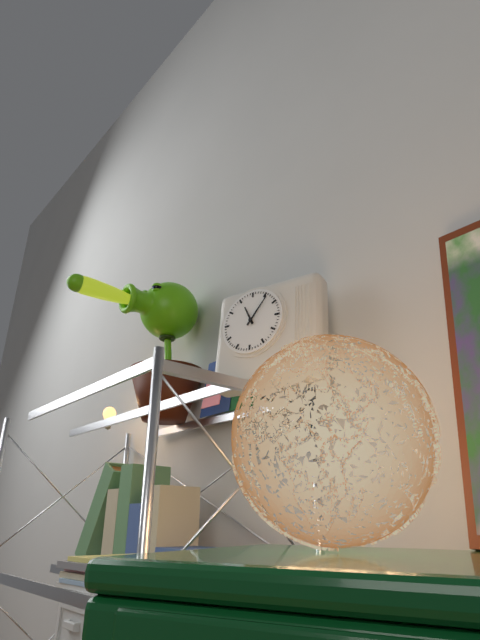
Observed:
11.06
